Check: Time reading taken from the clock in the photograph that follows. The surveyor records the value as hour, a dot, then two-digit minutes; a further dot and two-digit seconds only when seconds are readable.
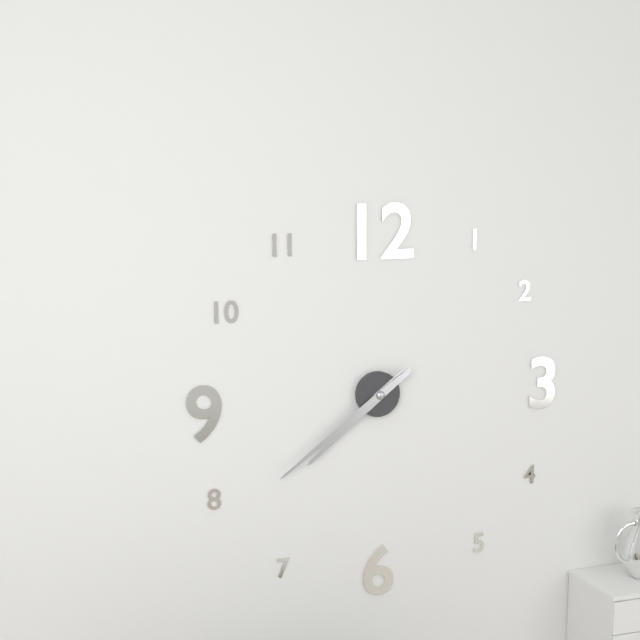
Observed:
7.39
